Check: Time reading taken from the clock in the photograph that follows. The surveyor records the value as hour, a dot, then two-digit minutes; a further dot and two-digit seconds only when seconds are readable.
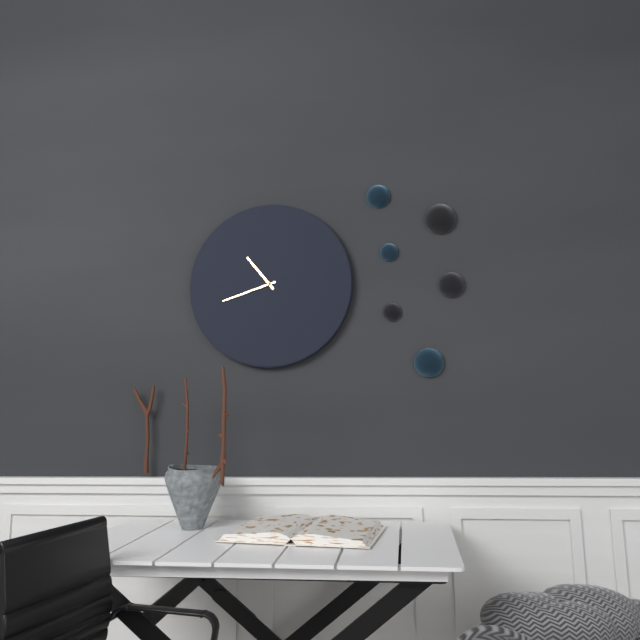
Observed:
10.42
